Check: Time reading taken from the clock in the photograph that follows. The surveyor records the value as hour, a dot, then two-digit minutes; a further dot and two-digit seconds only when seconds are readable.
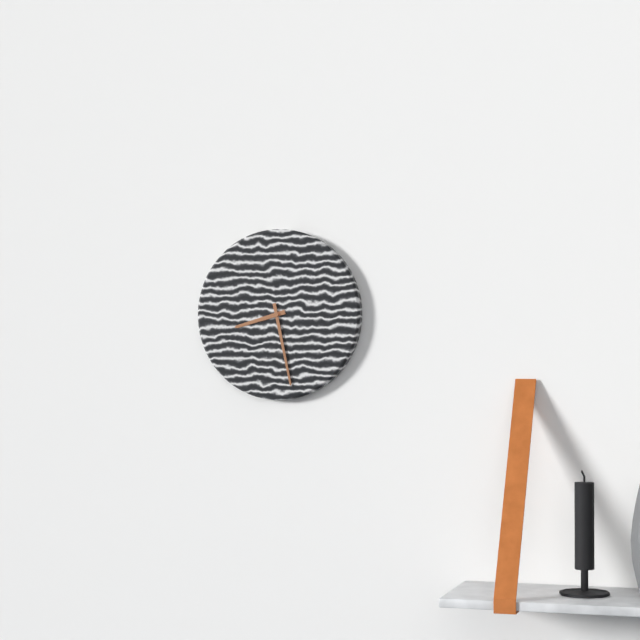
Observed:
8.28
